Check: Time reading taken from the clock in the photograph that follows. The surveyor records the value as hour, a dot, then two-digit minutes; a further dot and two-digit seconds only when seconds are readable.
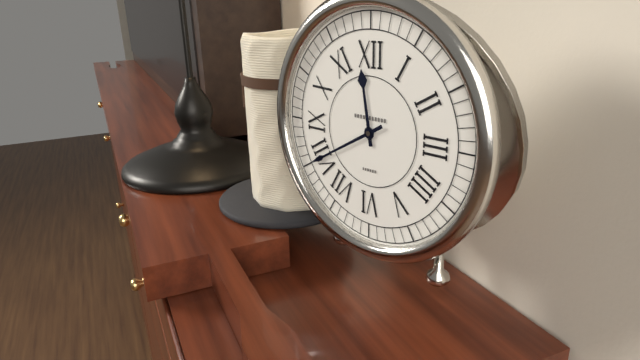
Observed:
11.40
